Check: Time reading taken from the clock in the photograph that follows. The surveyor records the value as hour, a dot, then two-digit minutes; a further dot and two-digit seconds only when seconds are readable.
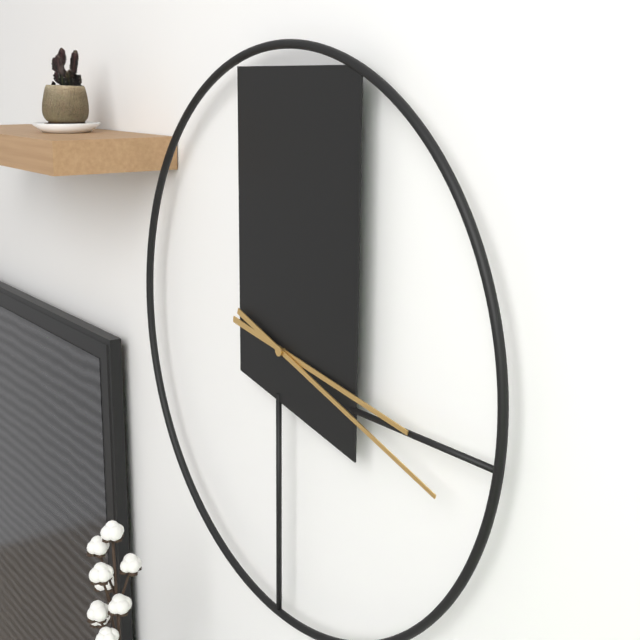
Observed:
3.18
